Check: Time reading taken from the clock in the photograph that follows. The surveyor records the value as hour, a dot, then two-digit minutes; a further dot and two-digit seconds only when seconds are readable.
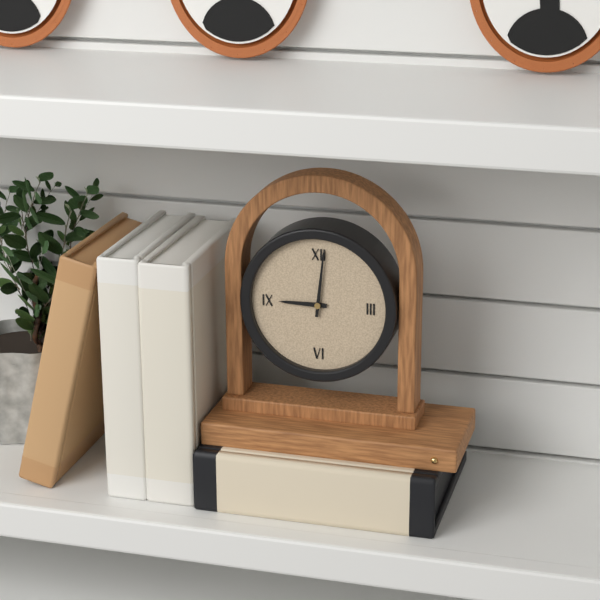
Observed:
9.01
